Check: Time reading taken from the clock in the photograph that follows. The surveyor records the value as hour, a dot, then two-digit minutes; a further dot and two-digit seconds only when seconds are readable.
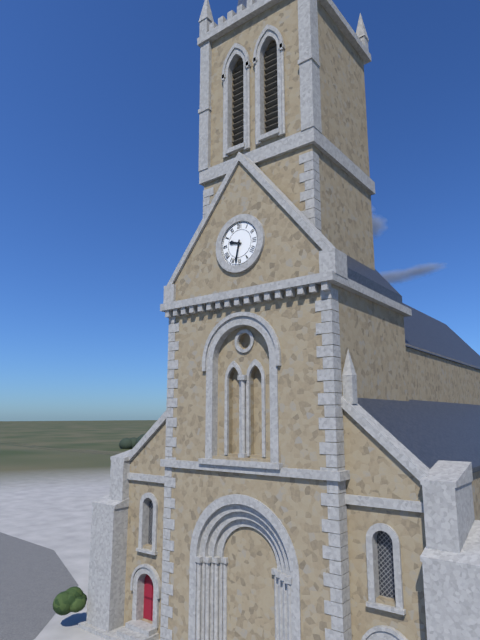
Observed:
9.32
